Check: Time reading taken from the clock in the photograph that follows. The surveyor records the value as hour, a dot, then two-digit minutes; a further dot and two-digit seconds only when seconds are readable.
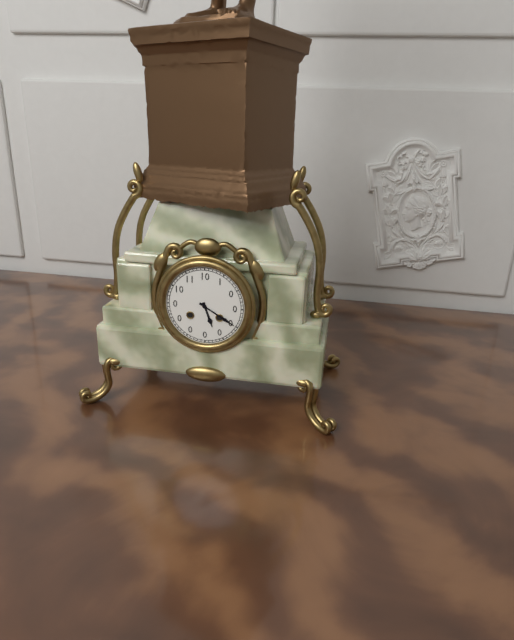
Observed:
5.20
